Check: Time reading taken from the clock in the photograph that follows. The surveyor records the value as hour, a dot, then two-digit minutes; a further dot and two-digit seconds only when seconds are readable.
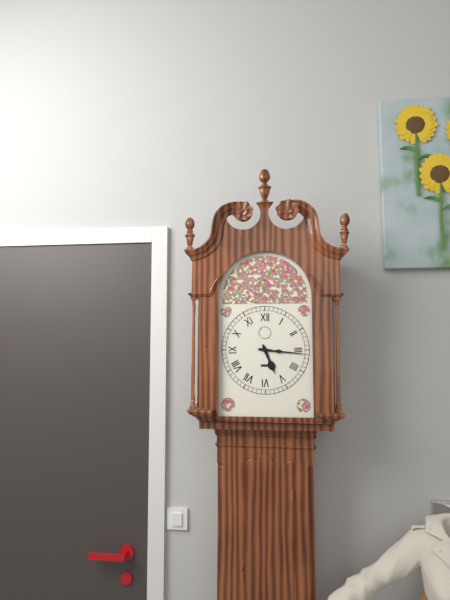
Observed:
5.16
